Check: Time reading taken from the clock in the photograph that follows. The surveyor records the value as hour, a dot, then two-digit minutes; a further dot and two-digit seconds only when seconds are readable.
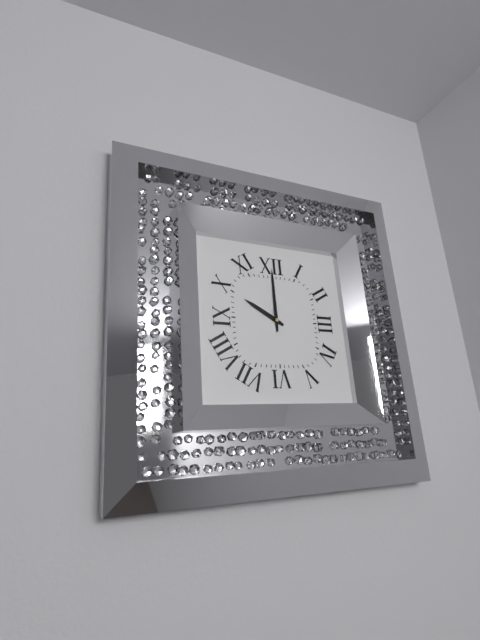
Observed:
10.00
